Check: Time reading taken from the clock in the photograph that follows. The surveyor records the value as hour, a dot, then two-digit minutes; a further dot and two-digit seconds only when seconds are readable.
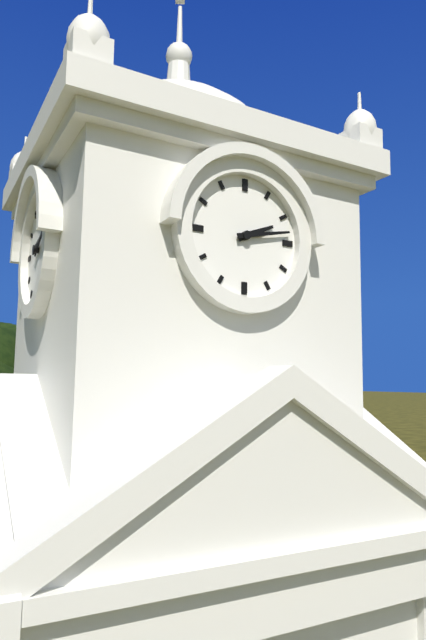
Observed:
2.13
